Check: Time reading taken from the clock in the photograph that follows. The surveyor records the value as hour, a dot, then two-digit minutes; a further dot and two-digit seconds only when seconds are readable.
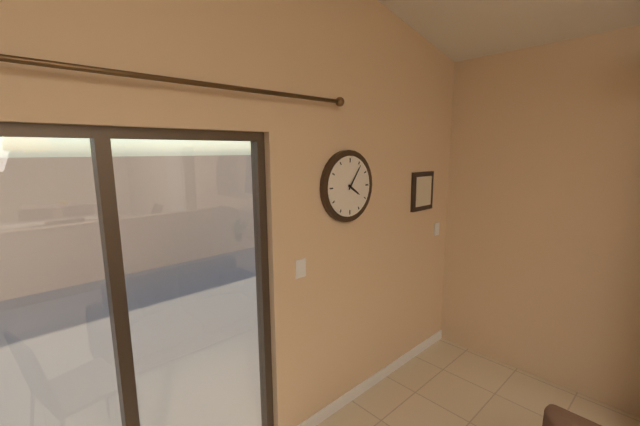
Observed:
4.06
